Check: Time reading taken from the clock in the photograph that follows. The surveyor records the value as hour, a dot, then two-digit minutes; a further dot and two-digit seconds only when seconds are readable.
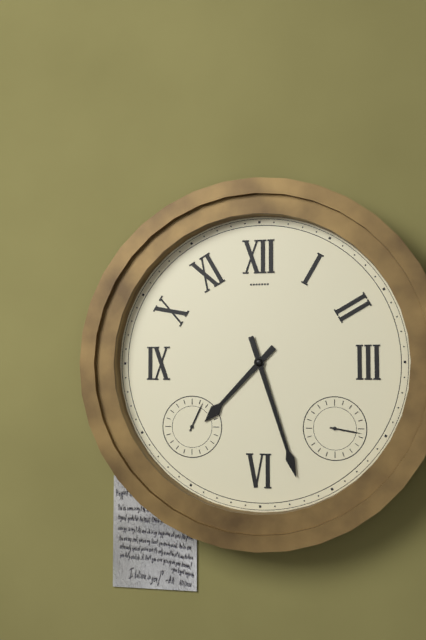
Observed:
7.27
